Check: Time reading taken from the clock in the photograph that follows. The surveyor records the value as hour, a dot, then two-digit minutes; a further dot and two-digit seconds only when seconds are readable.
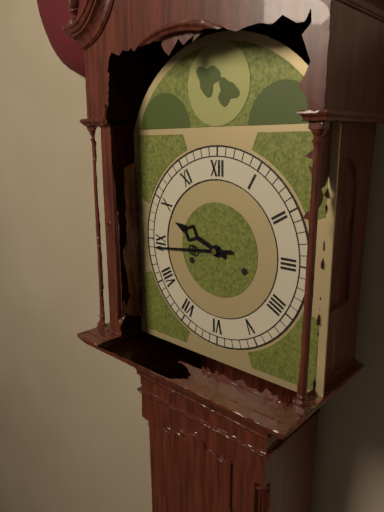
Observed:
9.44
